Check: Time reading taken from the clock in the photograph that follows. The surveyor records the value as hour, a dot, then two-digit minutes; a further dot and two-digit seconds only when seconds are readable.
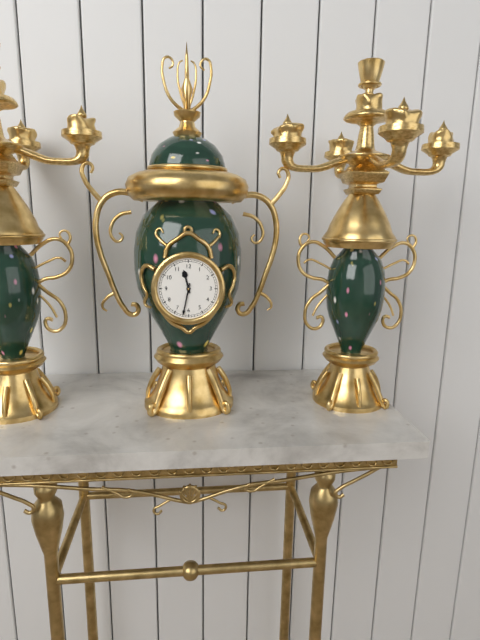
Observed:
11.32
